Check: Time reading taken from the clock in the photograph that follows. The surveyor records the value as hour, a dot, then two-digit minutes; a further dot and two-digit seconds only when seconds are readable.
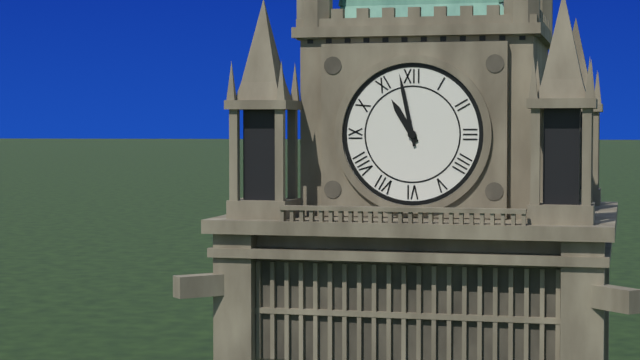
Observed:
10.58
